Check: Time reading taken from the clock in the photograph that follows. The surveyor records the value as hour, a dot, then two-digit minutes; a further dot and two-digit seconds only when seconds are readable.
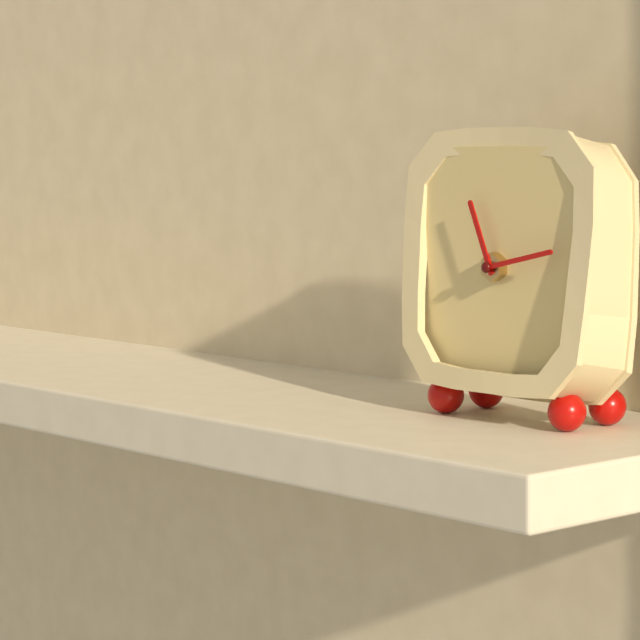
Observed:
11.13
